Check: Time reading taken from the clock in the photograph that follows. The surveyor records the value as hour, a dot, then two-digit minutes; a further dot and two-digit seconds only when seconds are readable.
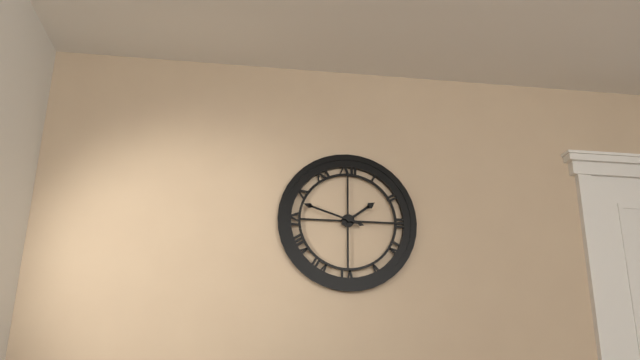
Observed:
1.48
